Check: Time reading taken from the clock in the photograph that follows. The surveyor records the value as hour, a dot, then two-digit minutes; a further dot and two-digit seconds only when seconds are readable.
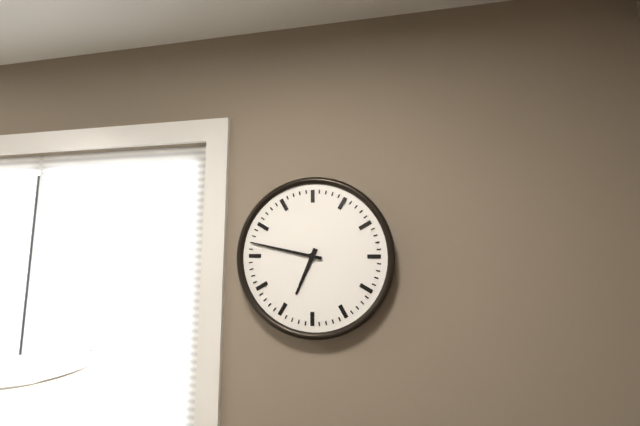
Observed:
6.47
